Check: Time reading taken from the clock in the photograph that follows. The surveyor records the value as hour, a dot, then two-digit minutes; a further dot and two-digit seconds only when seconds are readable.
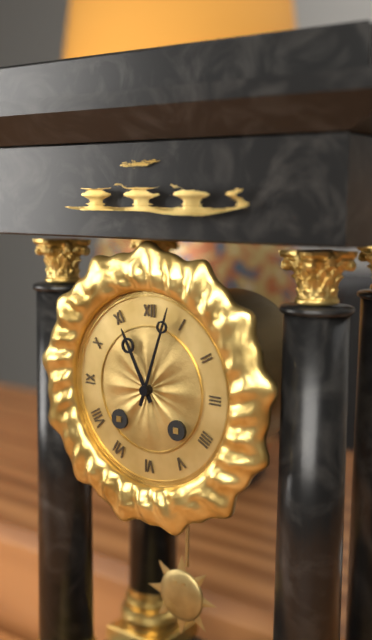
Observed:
11.03
